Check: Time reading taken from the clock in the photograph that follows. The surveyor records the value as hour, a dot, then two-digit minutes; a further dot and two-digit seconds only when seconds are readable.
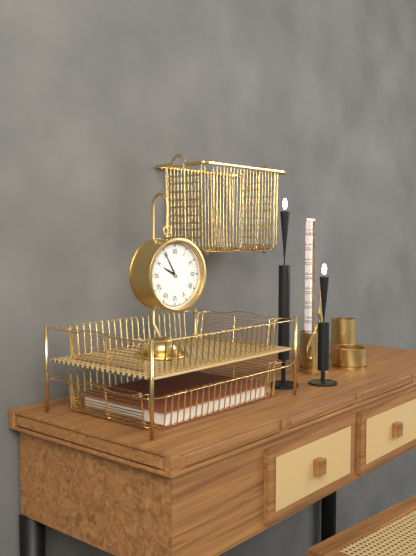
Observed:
9.55
